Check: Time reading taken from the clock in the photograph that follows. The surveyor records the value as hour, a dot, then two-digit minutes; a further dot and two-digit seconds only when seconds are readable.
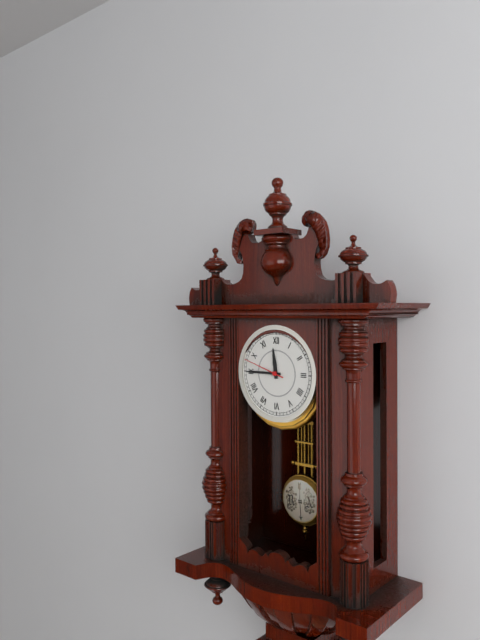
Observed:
11.45
